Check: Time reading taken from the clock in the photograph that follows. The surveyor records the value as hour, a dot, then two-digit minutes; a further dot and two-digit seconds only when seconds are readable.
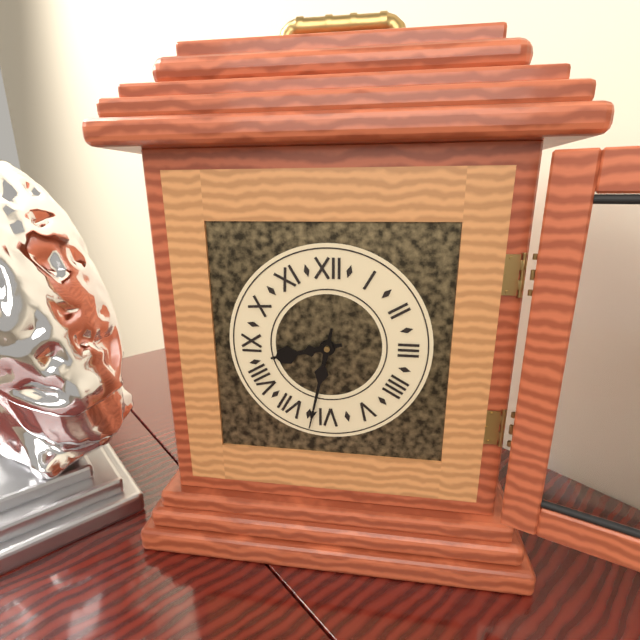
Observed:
8.32
